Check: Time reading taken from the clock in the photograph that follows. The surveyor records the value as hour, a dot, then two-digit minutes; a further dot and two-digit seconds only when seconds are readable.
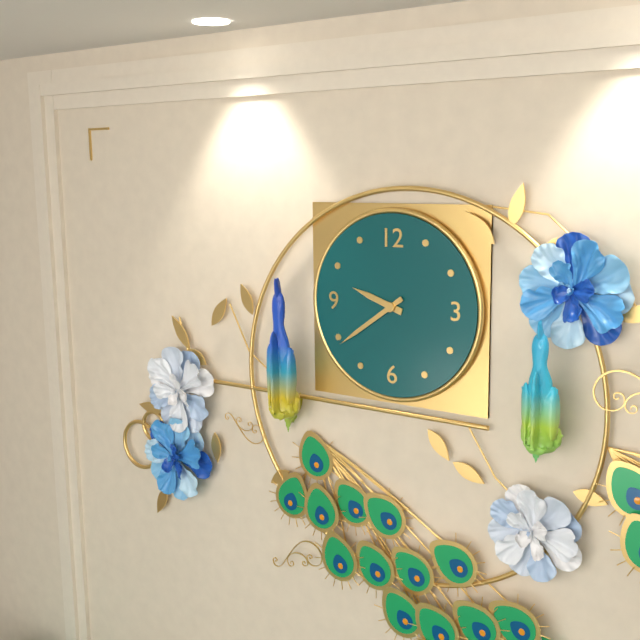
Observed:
9.39
